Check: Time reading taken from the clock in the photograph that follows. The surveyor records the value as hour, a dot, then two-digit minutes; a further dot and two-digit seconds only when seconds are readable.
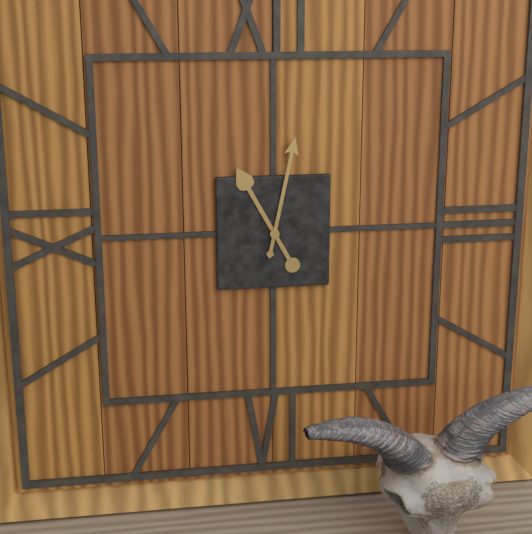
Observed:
11.02
